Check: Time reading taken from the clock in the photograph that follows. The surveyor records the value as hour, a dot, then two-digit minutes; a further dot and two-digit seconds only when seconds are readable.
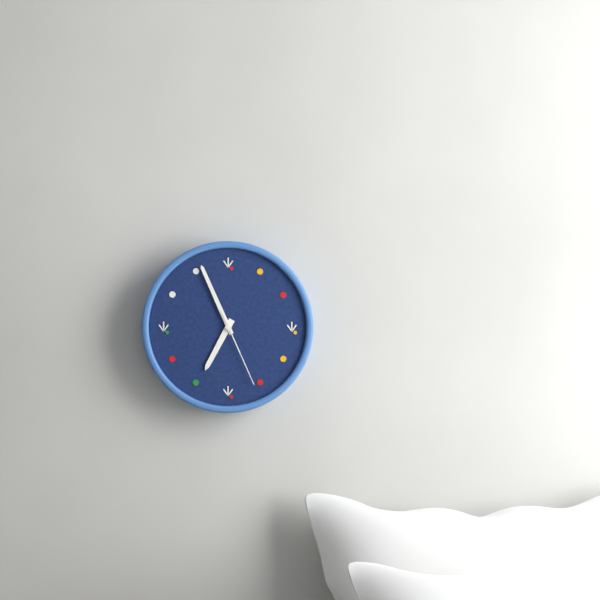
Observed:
6.56.26
